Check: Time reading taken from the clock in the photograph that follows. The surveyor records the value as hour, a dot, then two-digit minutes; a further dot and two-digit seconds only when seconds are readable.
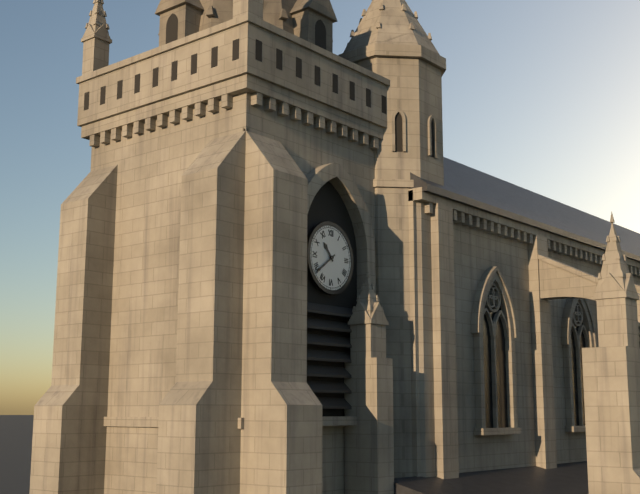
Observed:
10.39
